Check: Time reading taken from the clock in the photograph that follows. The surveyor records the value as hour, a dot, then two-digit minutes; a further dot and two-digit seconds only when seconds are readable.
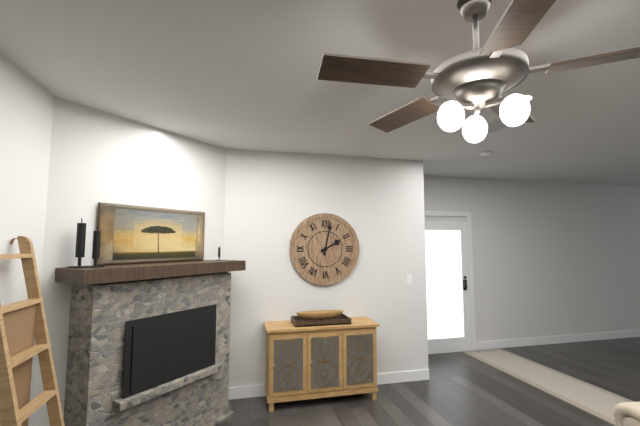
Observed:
2.02
